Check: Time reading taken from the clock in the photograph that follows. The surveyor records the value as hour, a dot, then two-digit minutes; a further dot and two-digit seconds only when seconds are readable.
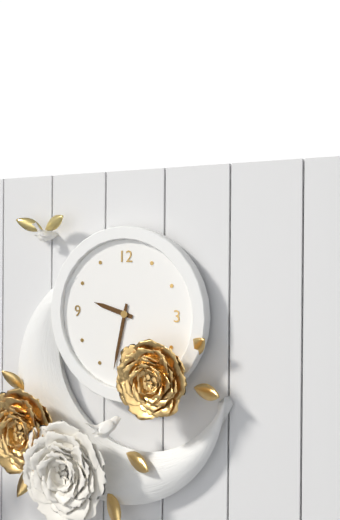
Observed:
9.32
